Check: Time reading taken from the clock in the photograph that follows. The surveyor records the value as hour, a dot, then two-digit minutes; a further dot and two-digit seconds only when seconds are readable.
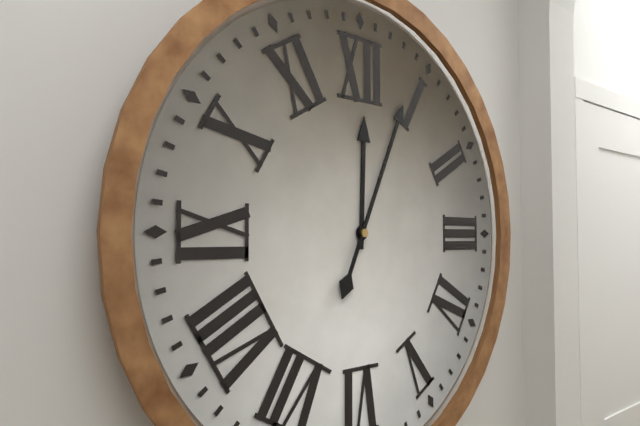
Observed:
12.04
